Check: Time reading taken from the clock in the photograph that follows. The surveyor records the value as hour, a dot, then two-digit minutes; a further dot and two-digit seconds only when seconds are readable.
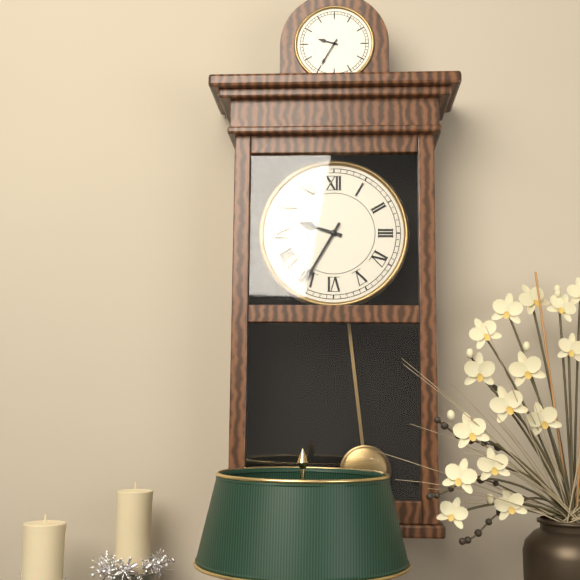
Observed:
9.35
